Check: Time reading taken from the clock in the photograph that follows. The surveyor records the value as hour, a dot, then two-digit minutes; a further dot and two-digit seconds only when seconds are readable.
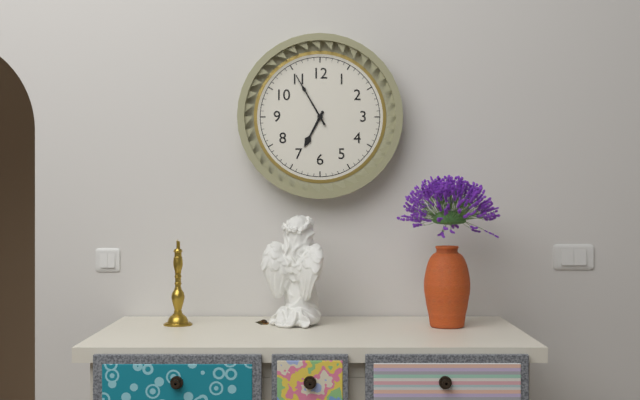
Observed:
6.55
